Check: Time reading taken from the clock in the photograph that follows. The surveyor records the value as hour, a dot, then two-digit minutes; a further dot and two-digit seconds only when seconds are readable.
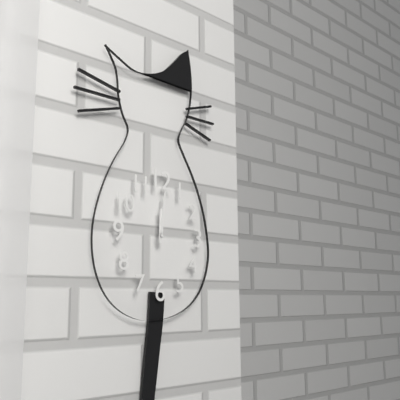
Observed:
12.01
